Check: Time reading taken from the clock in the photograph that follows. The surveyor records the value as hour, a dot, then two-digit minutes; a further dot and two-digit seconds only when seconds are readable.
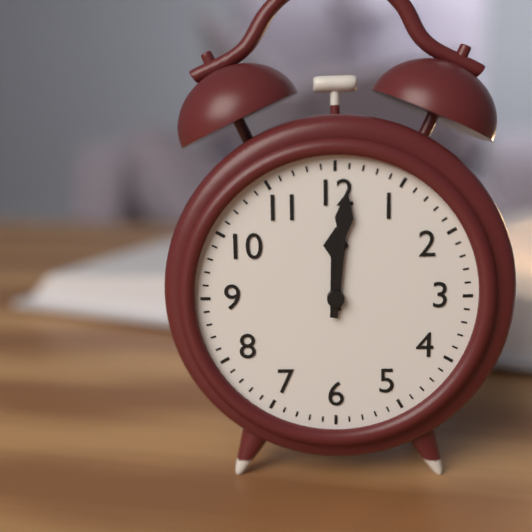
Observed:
12.01
